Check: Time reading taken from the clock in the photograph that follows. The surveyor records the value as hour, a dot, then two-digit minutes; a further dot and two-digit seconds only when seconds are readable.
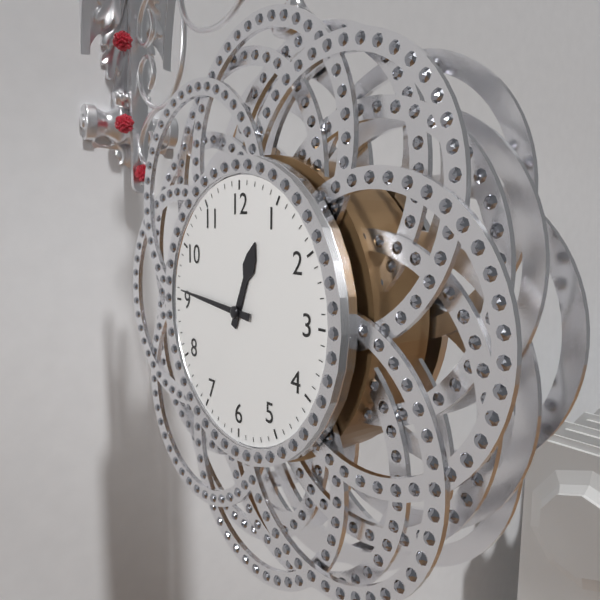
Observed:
12.46
